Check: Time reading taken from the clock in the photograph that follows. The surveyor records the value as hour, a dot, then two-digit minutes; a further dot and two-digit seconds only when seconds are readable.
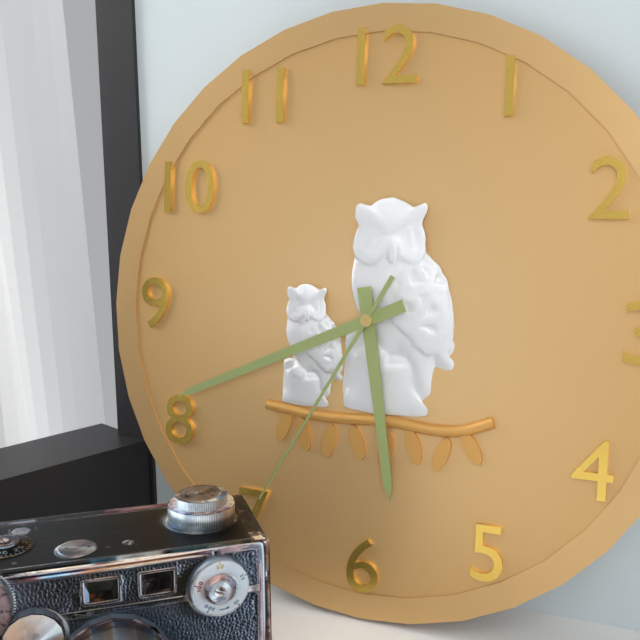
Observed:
5.41.35
